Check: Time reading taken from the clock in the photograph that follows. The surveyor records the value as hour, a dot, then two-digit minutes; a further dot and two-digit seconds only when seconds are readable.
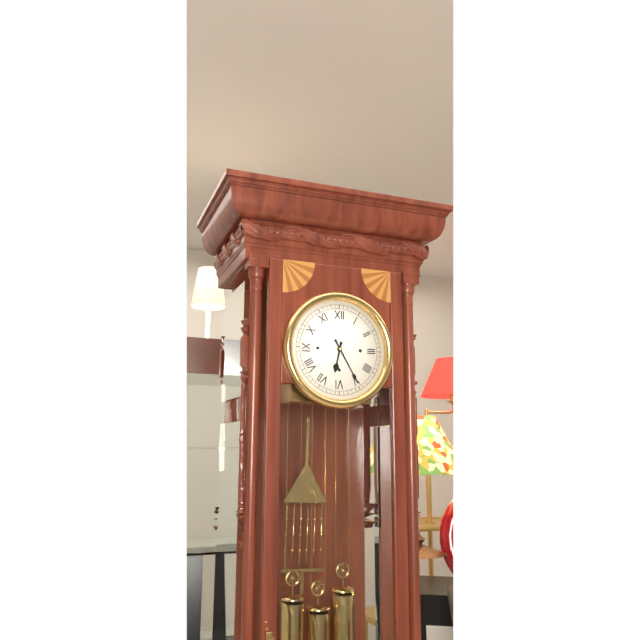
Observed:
6.25
